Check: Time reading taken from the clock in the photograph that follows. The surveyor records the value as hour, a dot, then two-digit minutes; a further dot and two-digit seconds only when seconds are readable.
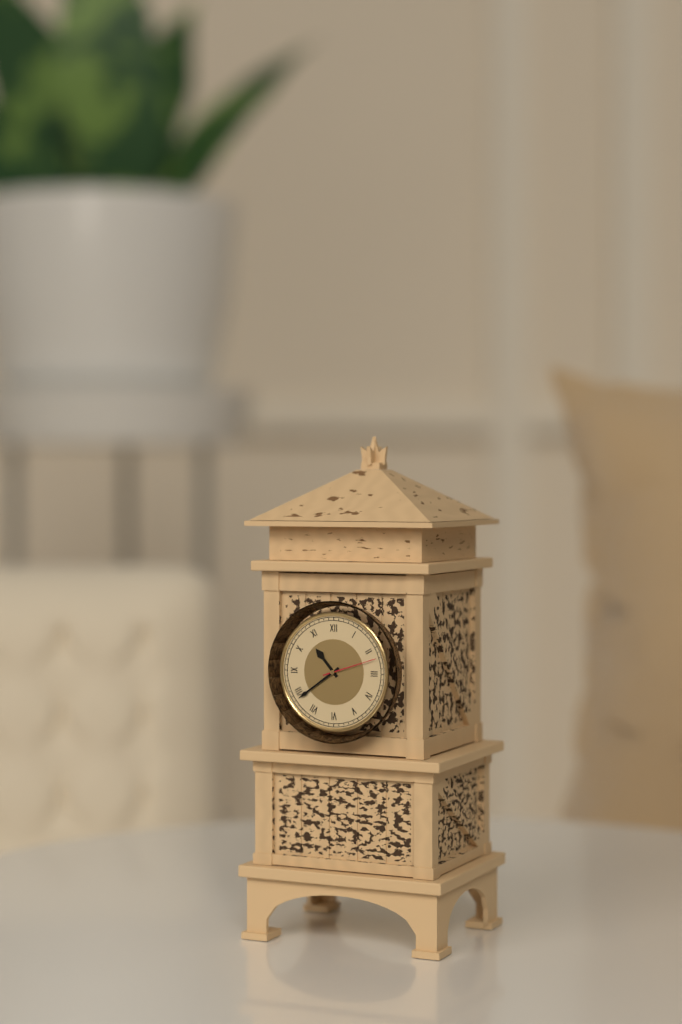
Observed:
10.39.12
